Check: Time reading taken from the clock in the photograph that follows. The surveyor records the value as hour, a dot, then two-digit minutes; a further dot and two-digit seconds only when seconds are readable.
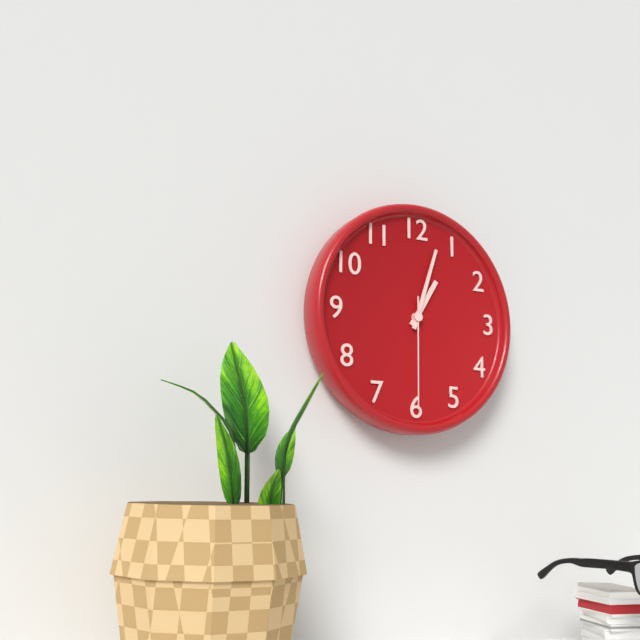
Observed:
1.03.30
